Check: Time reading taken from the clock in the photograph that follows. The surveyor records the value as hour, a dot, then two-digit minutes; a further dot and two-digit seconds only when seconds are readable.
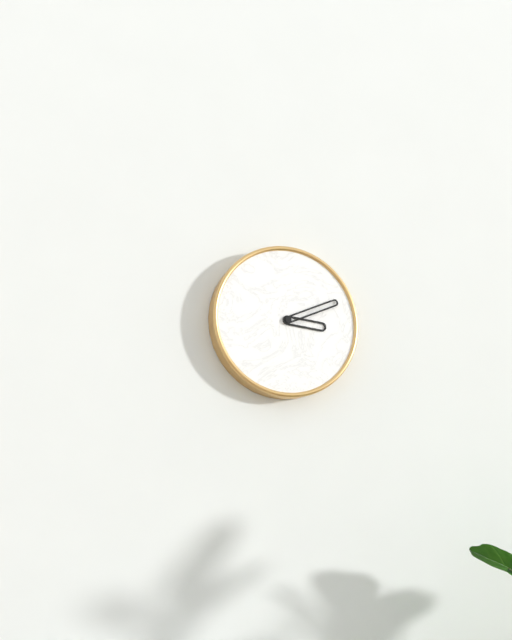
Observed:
3.11
